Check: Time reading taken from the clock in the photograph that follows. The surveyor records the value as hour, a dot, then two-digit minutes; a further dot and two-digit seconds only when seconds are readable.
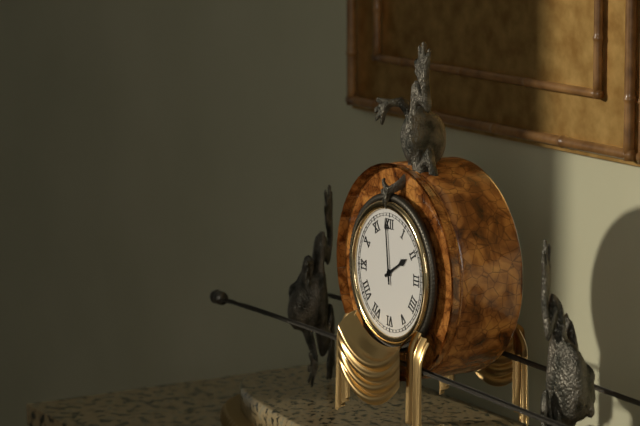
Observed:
1.59
